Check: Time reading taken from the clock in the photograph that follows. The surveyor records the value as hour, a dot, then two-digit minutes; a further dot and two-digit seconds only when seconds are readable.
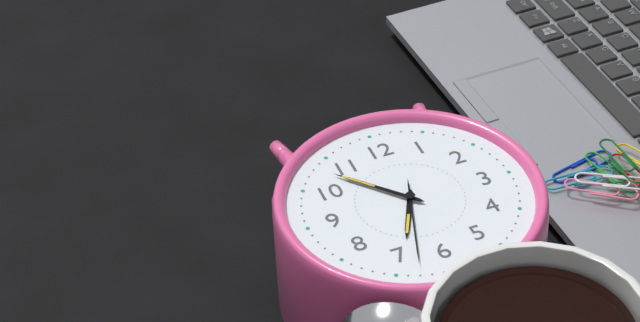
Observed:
6.53.33
